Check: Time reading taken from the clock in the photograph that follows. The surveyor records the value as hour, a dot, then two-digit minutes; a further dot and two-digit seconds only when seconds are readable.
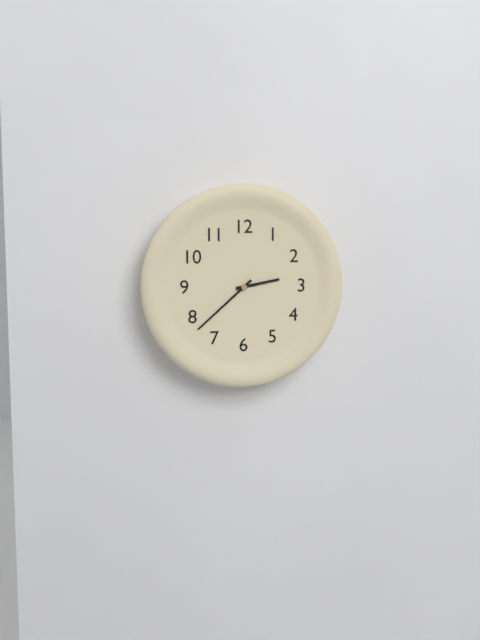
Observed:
2.38
